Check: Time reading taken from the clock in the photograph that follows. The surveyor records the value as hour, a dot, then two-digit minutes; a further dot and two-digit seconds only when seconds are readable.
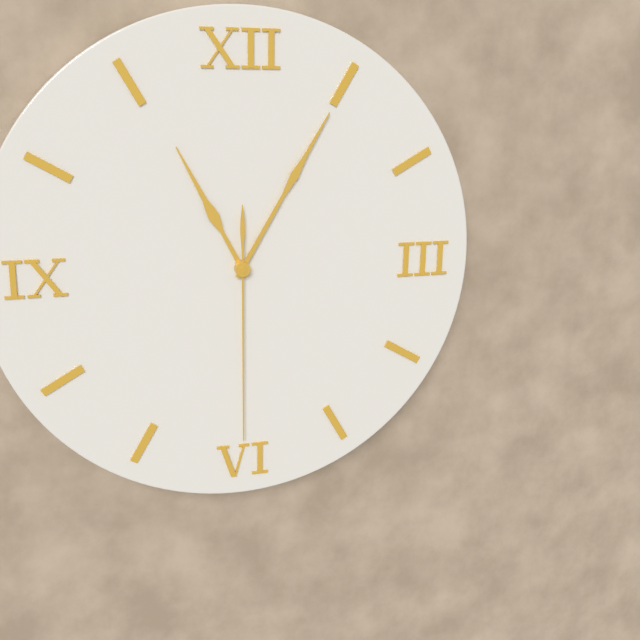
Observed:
11.05.30
